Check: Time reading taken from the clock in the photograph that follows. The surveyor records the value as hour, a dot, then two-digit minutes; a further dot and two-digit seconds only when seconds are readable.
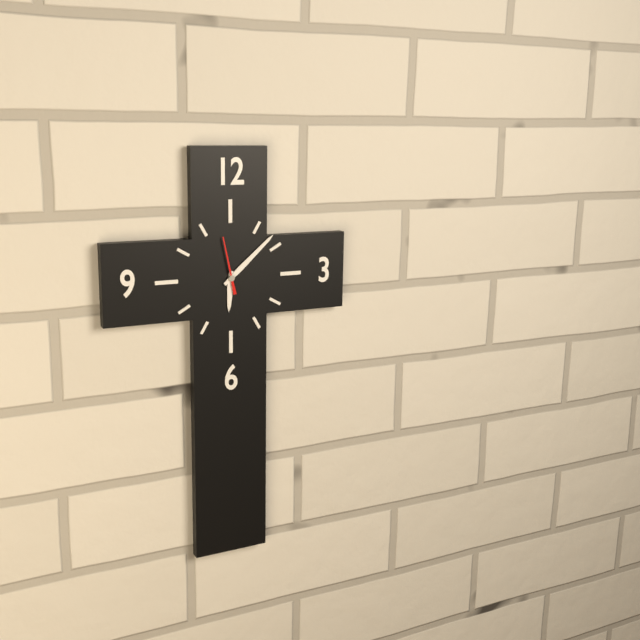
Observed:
6.08.58
